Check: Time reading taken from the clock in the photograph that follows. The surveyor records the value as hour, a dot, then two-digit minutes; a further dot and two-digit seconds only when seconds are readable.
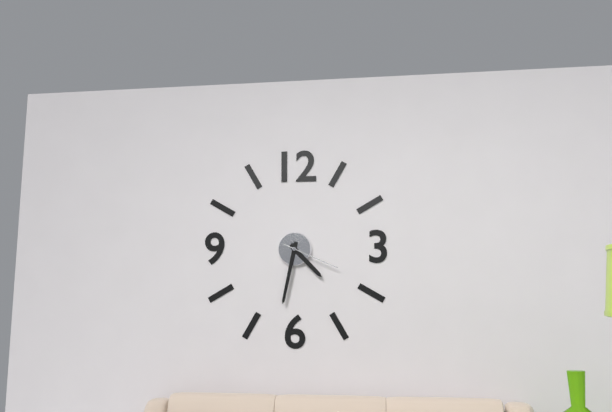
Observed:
4.32.19
